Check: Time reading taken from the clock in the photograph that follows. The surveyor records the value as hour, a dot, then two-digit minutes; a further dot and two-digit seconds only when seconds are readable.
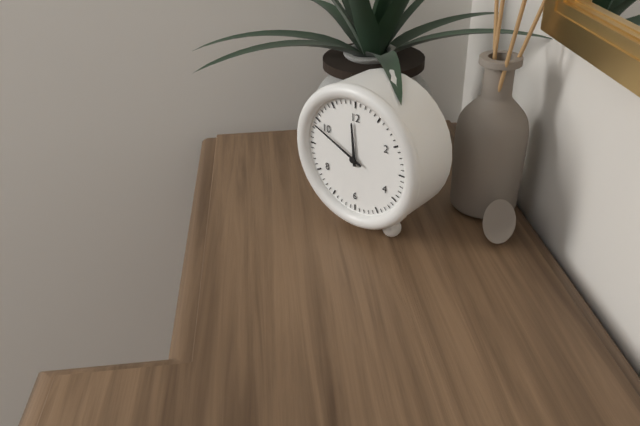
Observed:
11.49
